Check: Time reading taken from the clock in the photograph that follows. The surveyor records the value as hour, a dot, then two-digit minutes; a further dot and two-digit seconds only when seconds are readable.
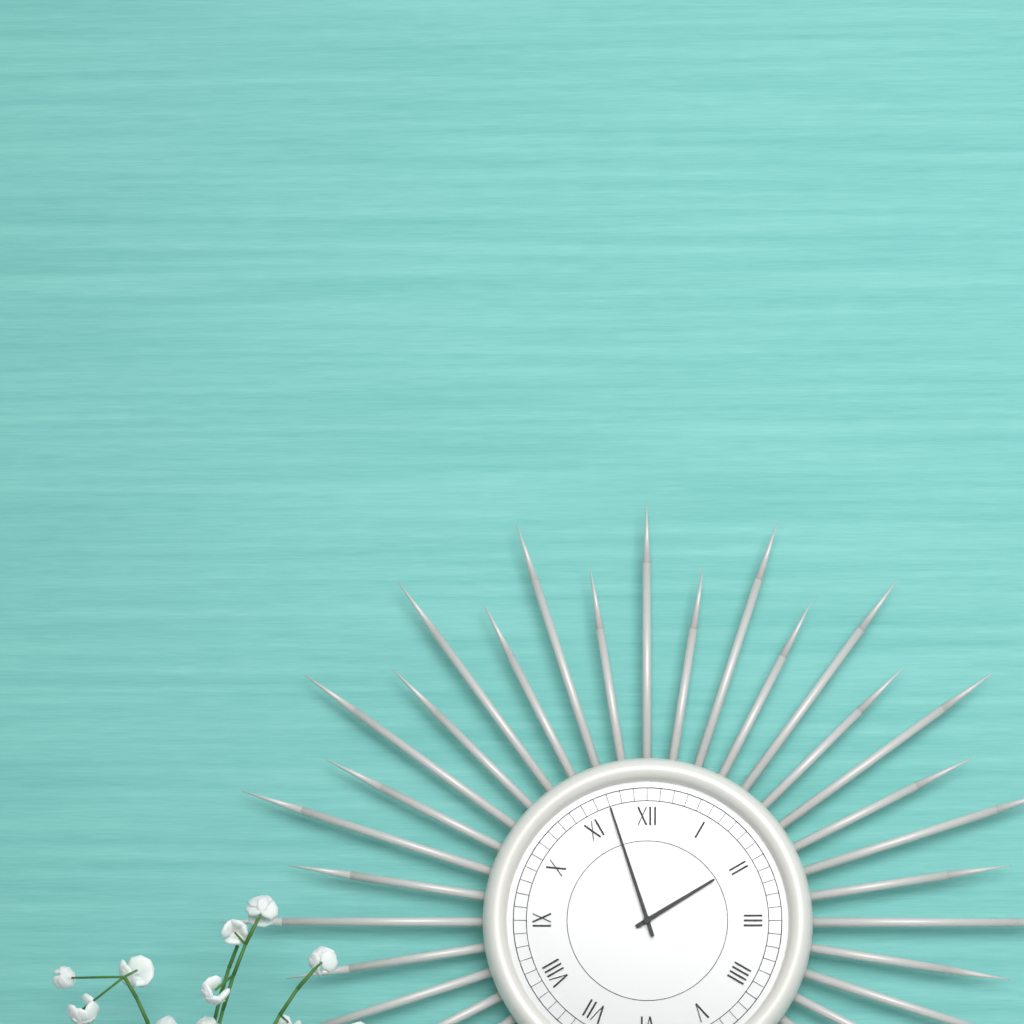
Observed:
1.57
